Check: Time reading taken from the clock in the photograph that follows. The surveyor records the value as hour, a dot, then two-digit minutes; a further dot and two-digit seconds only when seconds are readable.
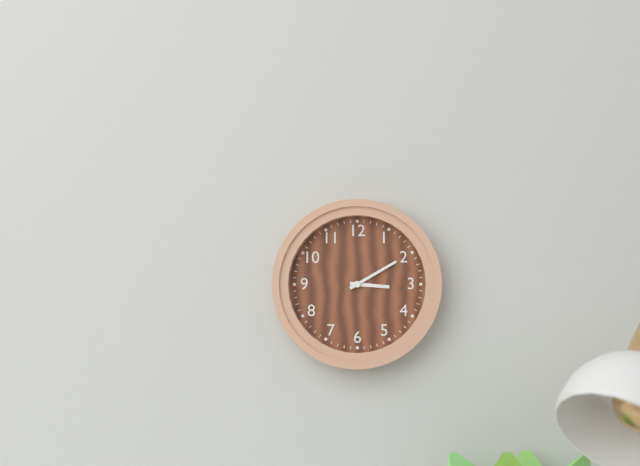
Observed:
3.10
